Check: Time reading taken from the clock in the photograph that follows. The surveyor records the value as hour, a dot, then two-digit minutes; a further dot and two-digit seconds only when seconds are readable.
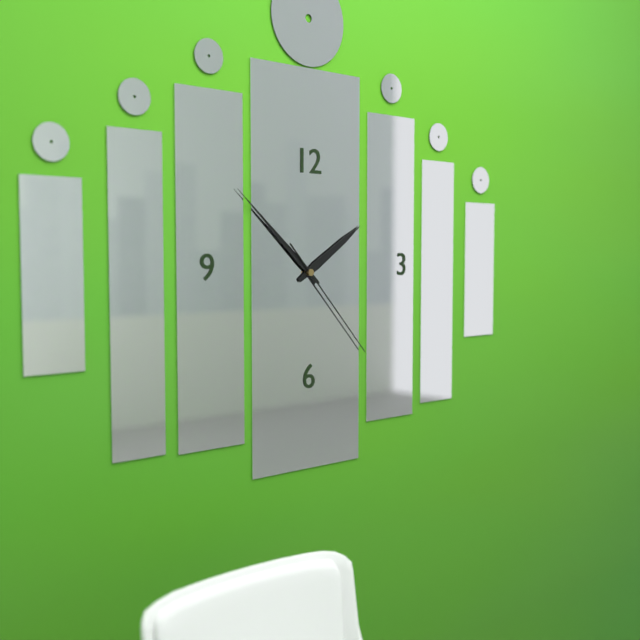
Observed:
1.52.23
